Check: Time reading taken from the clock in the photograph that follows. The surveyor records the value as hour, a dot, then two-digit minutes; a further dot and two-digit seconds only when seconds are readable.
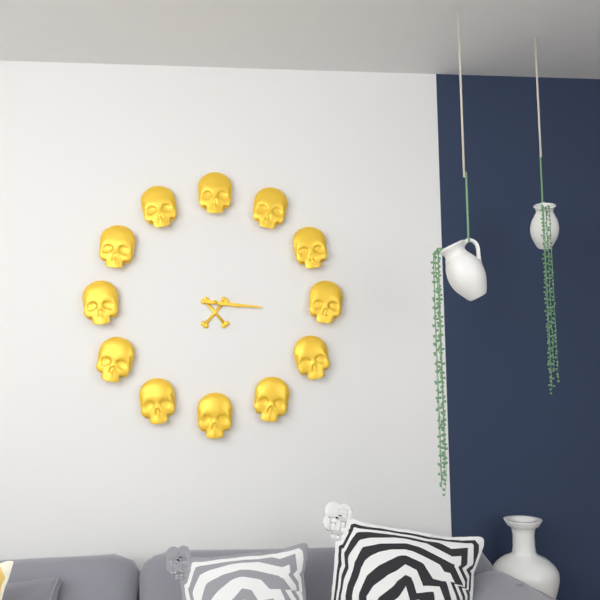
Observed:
3.16
